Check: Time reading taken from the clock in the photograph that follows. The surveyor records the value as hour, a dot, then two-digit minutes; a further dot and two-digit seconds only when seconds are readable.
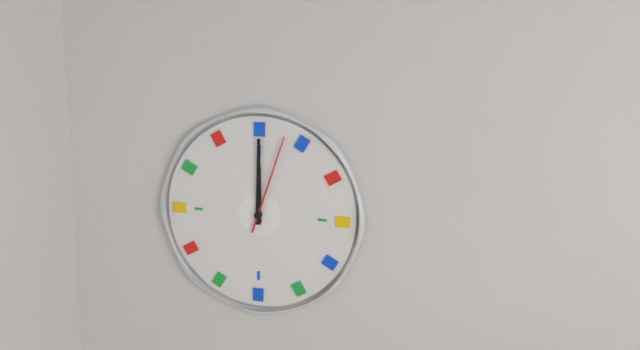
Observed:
12.00.03
